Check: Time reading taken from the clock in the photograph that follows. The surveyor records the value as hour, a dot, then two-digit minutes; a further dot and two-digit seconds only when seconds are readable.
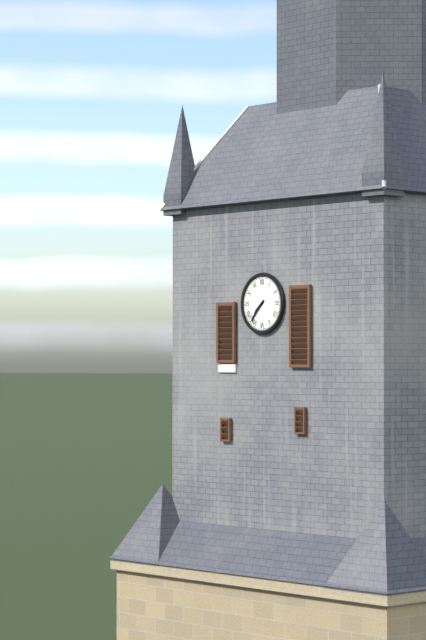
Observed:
7.37
